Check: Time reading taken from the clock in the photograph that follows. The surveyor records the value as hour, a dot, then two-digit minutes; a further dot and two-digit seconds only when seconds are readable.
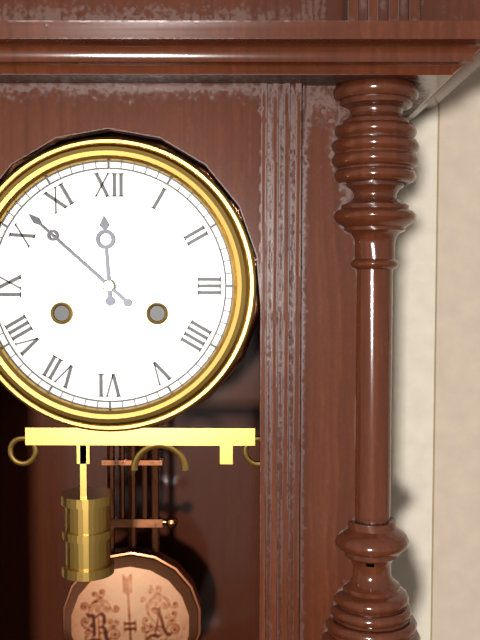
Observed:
11.52
